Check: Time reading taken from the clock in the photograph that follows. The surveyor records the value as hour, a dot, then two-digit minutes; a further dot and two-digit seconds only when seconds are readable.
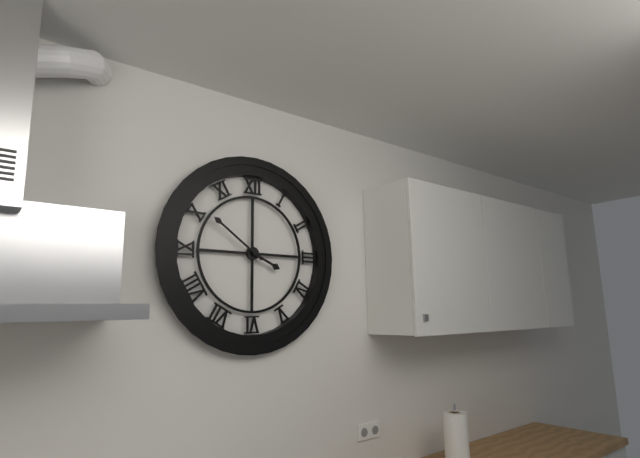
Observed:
3.51
